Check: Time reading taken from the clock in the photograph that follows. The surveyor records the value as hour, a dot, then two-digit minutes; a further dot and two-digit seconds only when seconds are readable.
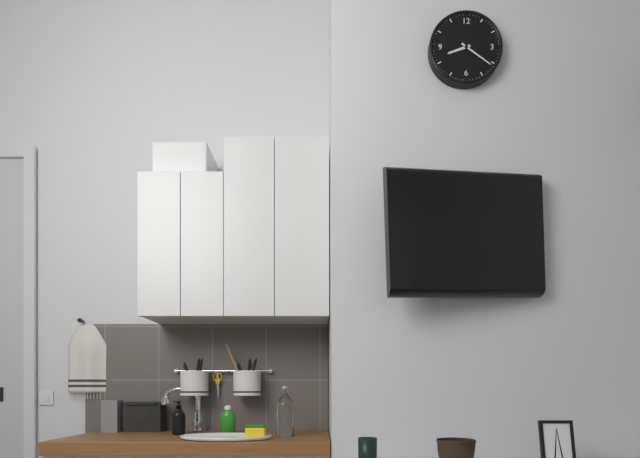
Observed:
8.21
